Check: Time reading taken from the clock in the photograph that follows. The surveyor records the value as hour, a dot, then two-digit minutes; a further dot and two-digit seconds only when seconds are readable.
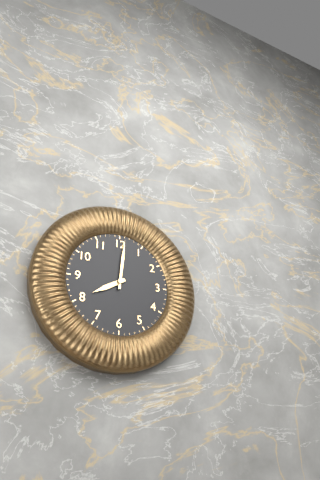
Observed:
8.01
